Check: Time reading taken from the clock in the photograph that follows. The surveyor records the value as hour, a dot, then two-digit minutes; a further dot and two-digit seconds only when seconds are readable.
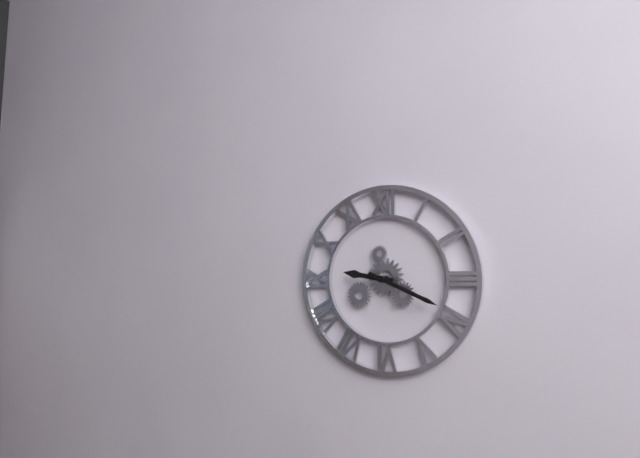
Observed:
9.19
